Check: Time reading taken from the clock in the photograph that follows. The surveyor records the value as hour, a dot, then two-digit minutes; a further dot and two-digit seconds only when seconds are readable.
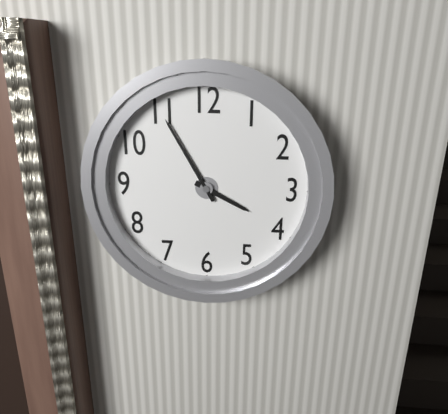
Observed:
3.55
